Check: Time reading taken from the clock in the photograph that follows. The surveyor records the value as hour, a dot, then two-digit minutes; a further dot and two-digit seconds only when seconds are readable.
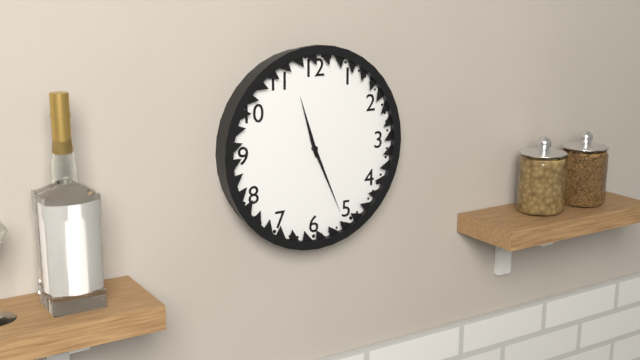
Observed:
11.26
